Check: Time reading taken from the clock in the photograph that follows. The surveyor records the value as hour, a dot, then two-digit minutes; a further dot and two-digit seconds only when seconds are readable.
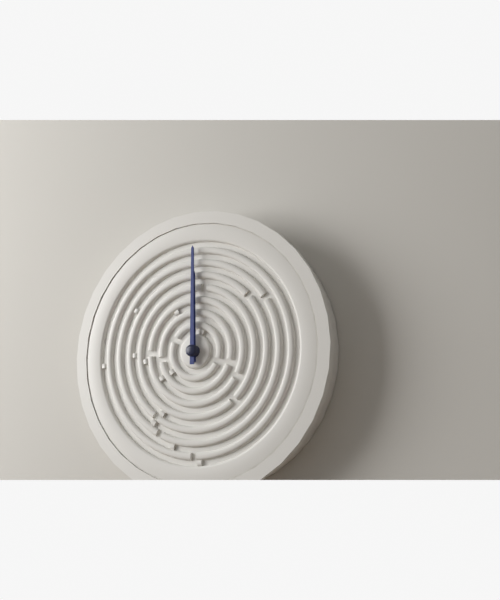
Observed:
12.00
